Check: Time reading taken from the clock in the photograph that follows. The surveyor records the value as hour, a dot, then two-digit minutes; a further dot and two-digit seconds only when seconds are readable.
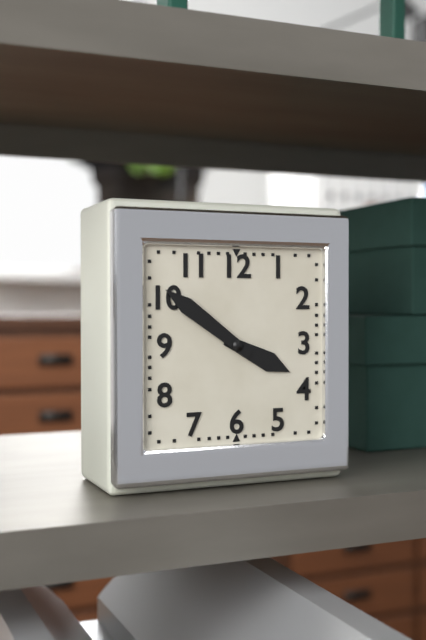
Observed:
3.51
